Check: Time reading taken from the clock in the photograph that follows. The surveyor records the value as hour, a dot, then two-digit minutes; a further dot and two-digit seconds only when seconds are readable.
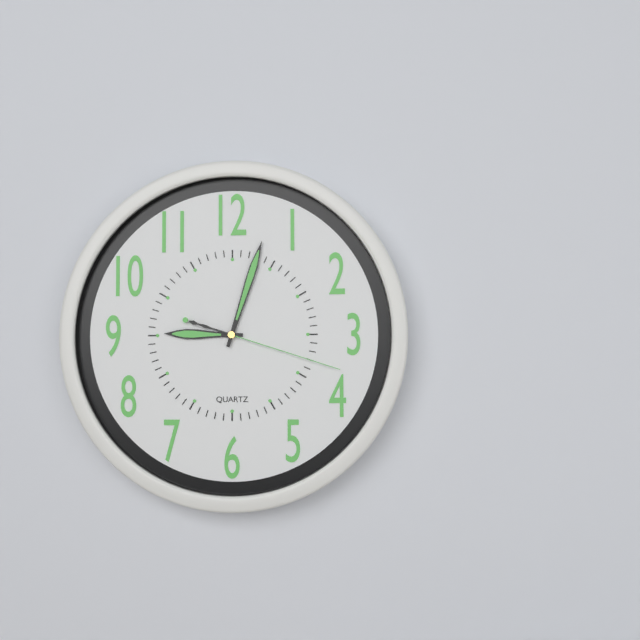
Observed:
9.03.18
